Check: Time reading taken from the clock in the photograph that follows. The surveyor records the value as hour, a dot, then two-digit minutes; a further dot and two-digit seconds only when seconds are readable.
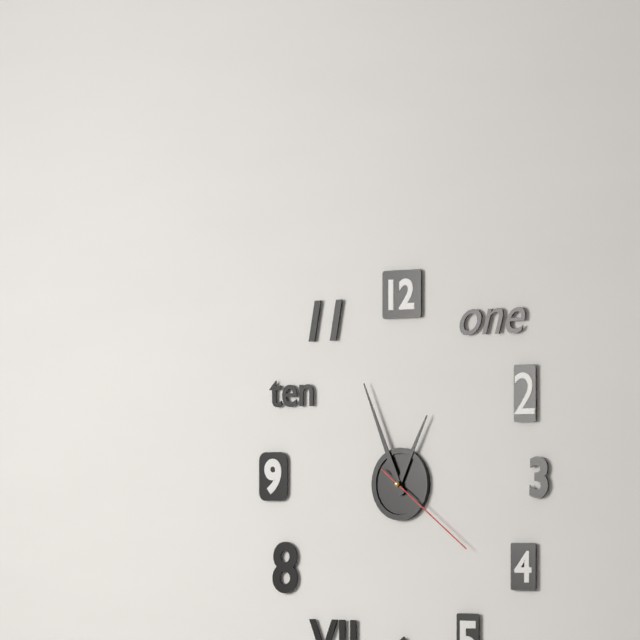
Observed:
12.56.21
